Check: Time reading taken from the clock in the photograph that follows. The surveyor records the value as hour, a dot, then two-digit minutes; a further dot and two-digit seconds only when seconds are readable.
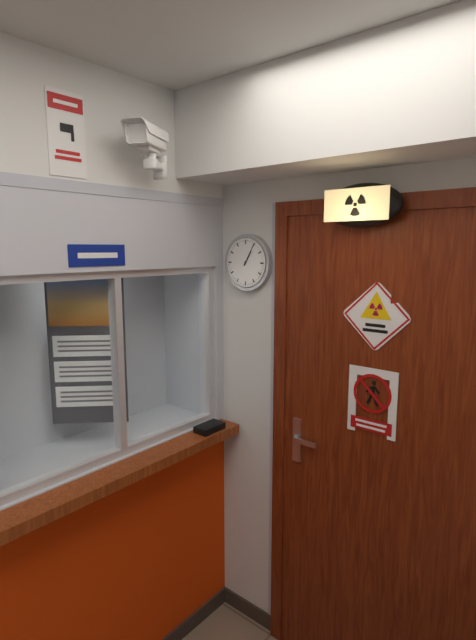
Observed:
1.05
